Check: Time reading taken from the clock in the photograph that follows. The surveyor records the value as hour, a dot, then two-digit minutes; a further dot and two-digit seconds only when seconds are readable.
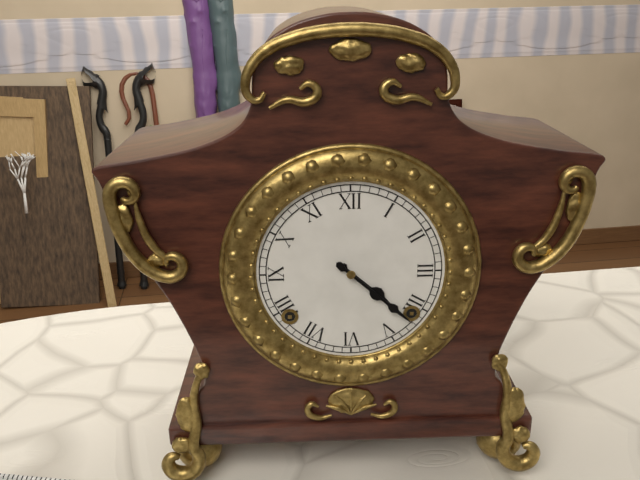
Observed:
4.22
